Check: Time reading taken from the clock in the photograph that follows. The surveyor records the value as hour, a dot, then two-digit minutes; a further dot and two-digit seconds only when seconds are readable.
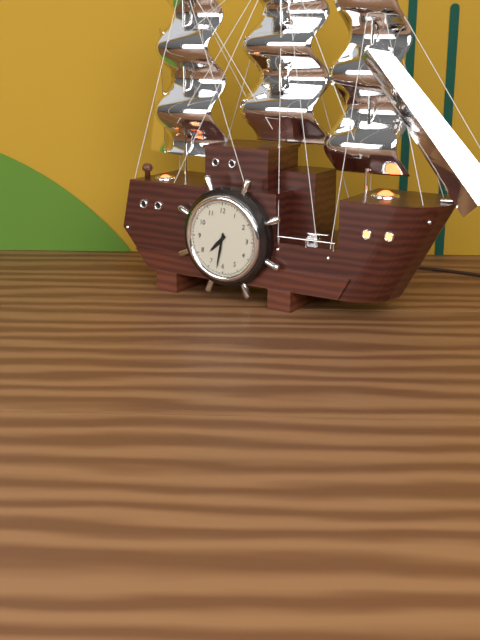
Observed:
7.32
